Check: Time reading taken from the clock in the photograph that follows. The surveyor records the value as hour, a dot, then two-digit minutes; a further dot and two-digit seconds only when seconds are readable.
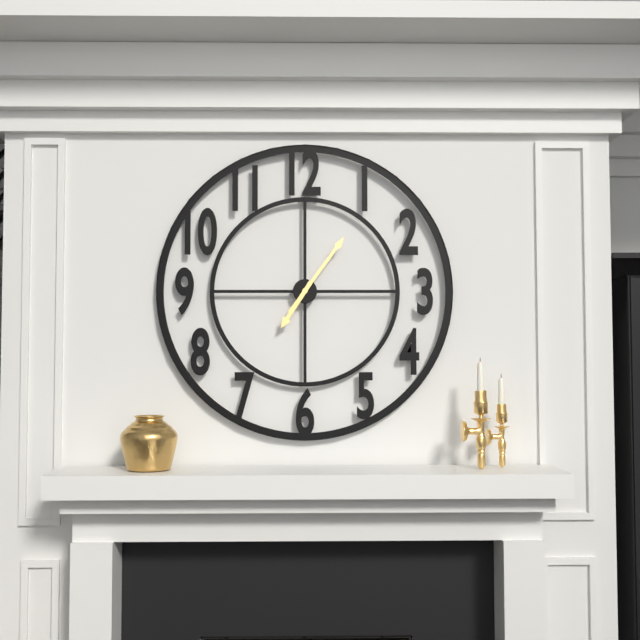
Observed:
7.06
